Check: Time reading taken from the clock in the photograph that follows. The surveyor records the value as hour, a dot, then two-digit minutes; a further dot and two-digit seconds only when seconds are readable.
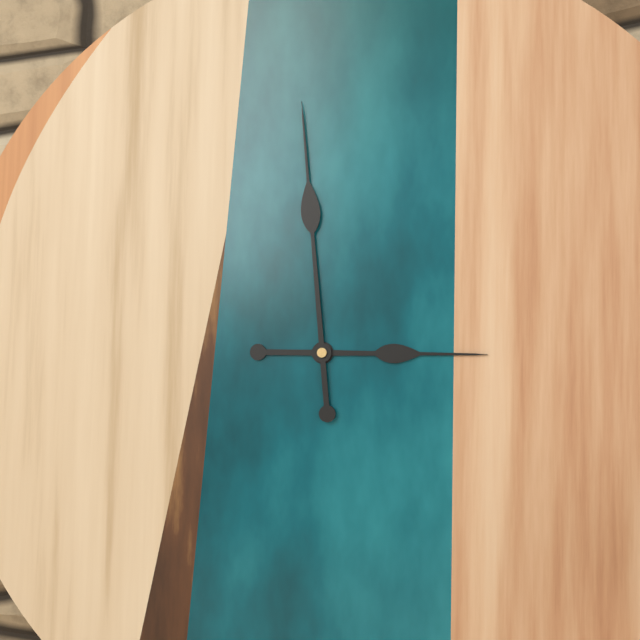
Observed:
2.59
